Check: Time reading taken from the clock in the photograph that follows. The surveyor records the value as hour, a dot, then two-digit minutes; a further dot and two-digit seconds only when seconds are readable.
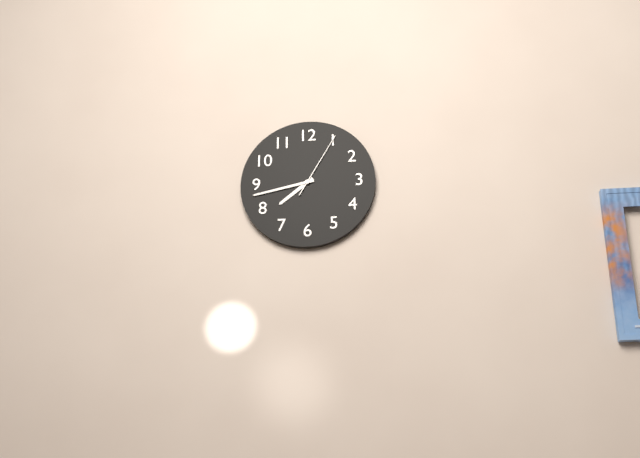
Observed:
7.43.05
